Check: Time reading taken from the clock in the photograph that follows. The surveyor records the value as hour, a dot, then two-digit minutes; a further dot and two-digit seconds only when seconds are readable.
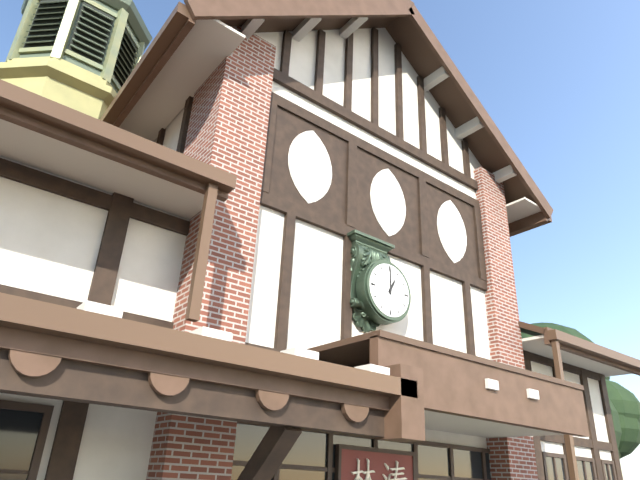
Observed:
1.00
